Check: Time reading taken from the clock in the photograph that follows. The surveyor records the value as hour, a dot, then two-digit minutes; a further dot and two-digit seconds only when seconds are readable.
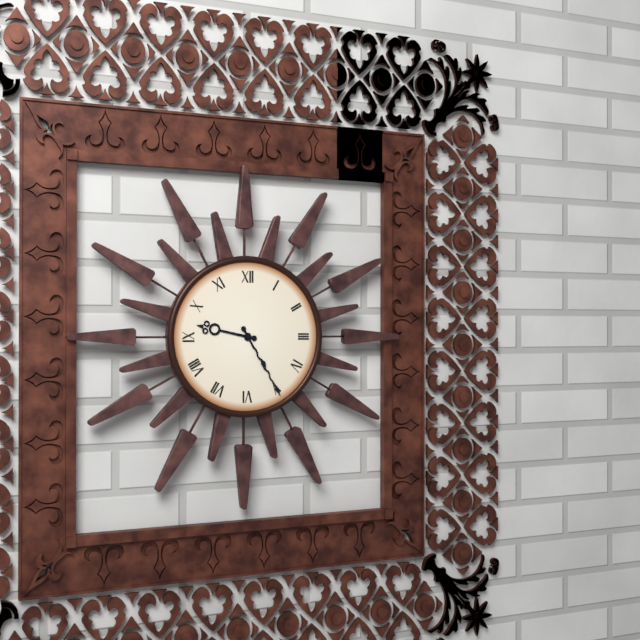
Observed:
9.25
